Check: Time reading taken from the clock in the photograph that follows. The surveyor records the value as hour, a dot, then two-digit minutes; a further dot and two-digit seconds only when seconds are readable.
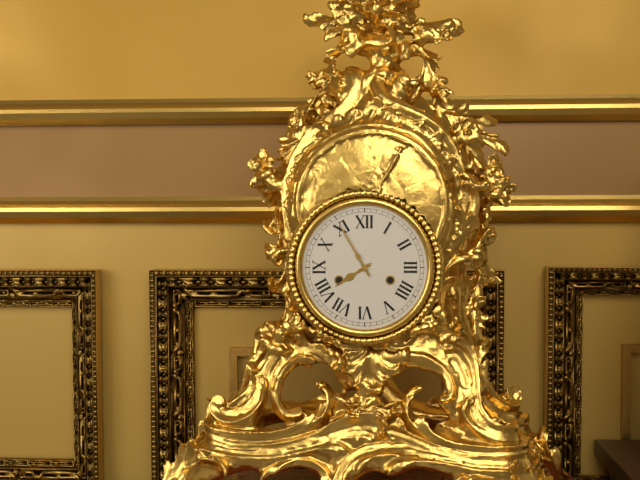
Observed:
7.55
